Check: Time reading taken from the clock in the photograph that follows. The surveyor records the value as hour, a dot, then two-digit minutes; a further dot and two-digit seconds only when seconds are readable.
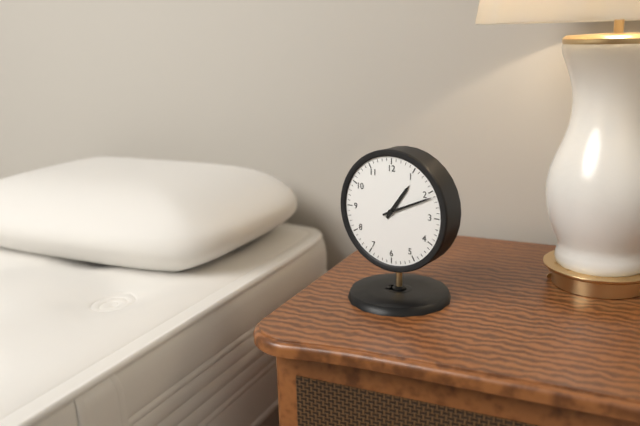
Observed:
1.11
